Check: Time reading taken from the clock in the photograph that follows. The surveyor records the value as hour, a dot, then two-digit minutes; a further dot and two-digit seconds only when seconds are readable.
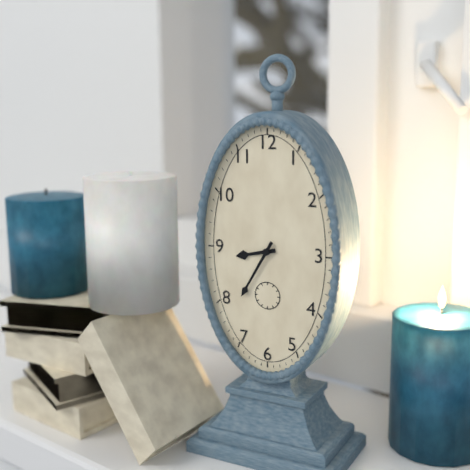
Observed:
8.35
